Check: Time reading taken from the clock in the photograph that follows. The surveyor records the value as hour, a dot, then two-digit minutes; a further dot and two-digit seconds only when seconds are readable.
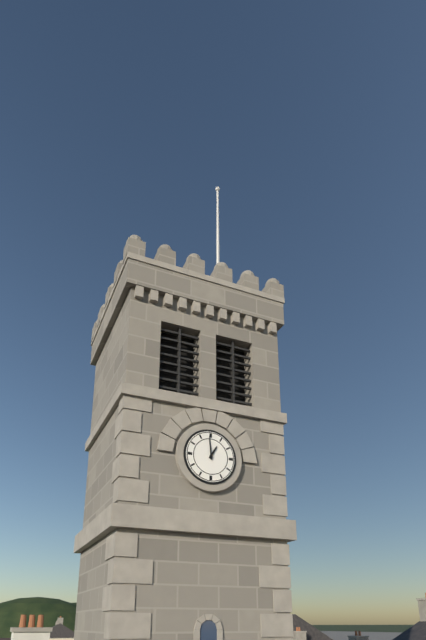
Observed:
12.59
